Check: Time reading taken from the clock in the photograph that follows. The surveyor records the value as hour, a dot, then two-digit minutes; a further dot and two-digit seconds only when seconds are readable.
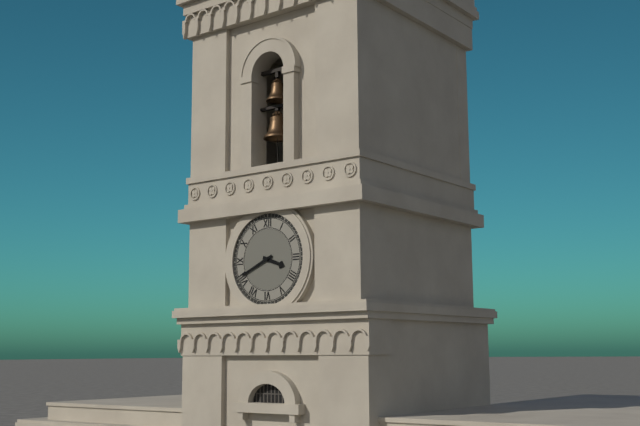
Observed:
3.41
